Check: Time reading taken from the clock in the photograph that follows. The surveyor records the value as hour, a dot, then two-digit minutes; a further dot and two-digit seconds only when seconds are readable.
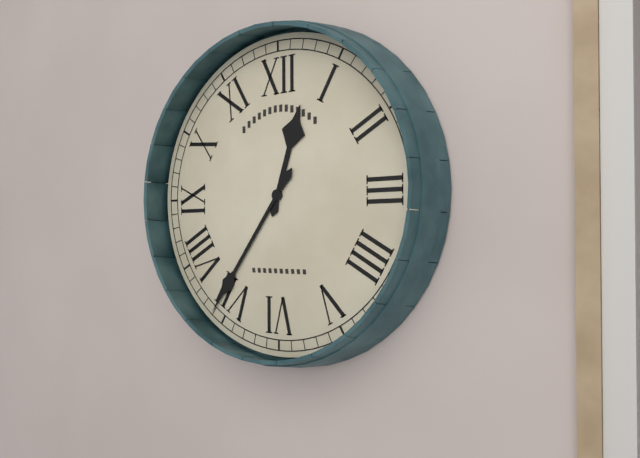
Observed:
12.36
